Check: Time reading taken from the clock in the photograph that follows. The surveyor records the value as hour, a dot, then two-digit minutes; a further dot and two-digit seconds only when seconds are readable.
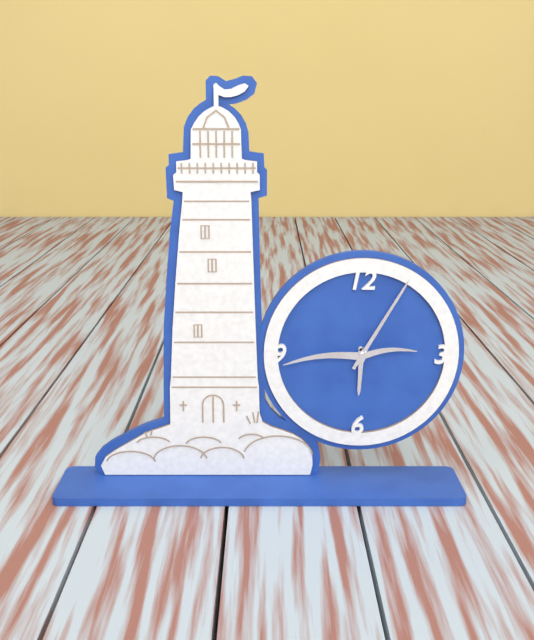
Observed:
6.05.44
